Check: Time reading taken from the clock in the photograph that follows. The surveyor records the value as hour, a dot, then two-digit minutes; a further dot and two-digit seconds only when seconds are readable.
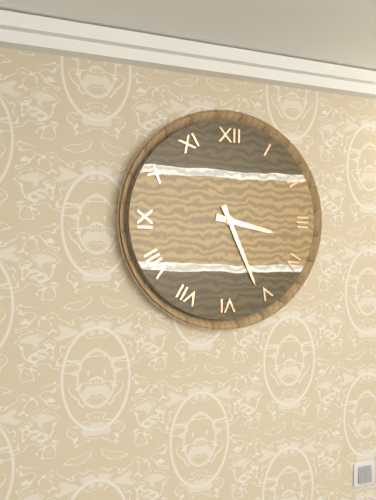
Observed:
3.26
